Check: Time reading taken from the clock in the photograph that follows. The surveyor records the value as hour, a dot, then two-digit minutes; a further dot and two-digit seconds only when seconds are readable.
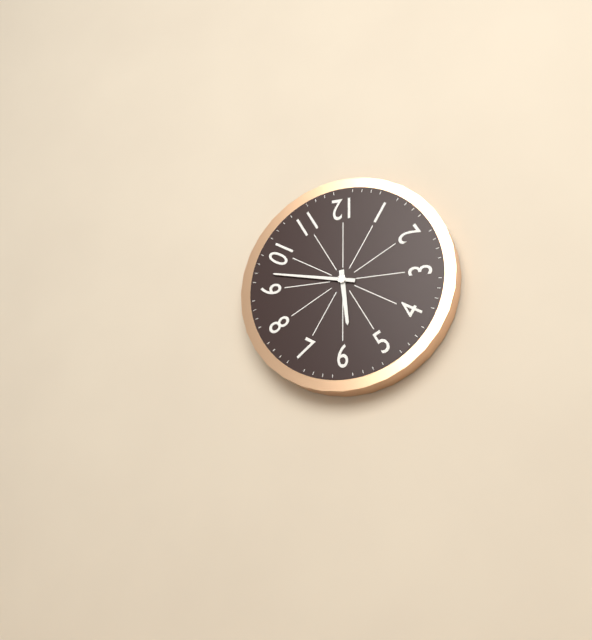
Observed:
5.47
